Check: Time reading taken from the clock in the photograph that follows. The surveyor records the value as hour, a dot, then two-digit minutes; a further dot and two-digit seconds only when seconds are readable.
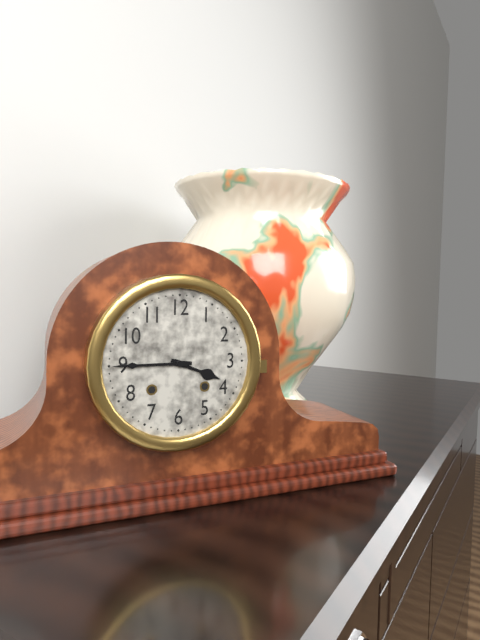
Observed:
3.45
